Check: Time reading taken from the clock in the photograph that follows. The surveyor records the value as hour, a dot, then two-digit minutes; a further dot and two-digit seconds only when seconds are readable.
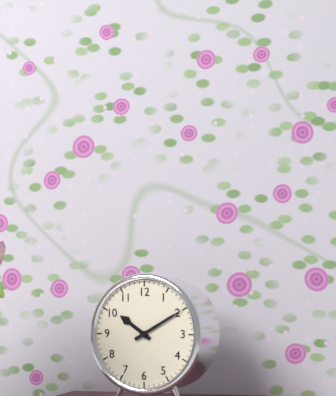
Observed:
10.10
